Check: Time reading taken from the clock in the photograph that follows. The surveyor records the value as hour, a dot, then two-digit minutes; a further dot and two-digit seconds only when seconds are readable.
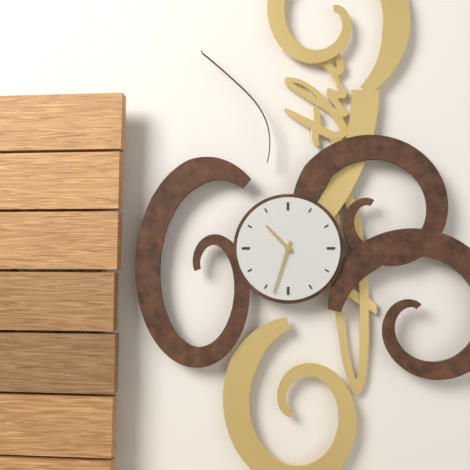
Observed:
10.33
